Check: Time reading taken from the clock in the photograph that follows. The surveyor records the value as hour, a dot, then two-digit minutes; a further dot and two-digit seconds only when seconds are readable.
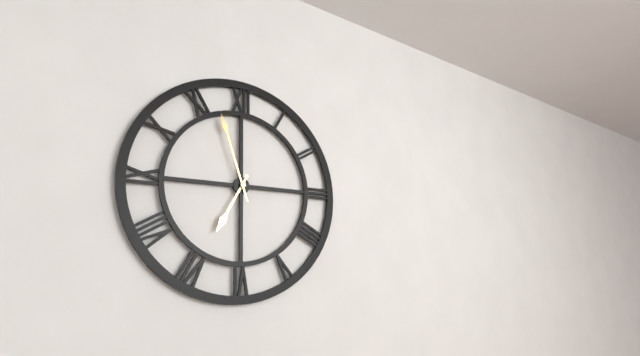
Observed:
6.57
